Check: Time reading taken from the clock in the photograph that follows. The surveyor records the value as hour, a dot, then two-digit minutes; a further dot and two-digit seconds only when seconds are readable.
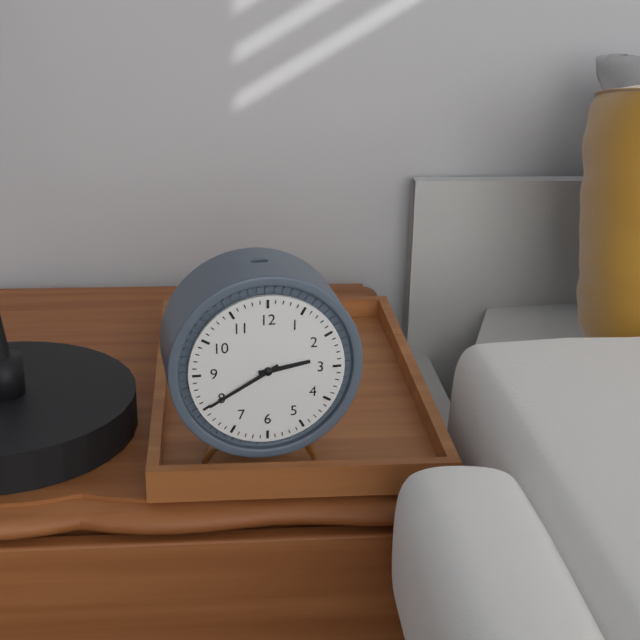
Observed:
2.40
